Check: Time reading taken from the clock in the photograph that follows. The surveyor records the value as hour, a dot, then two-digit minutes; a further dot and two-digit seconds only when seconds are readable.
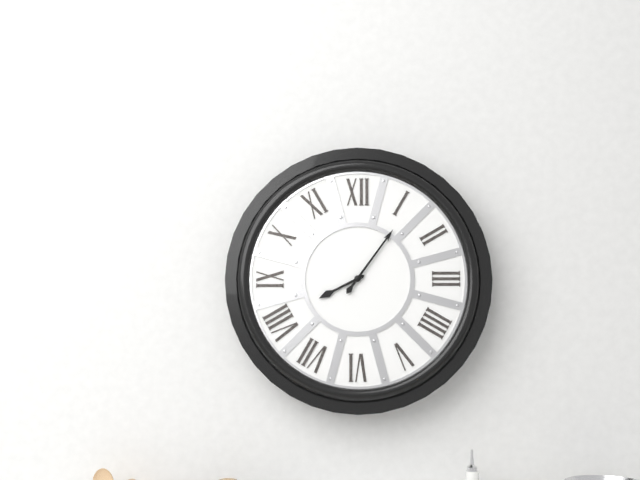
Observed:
8.06
